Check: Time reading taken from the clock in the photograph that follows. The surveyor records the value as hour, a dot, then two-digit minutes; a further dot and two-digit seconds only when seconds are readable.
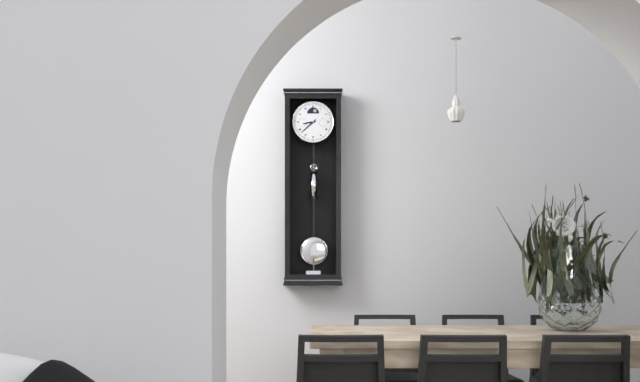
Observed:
8.38
